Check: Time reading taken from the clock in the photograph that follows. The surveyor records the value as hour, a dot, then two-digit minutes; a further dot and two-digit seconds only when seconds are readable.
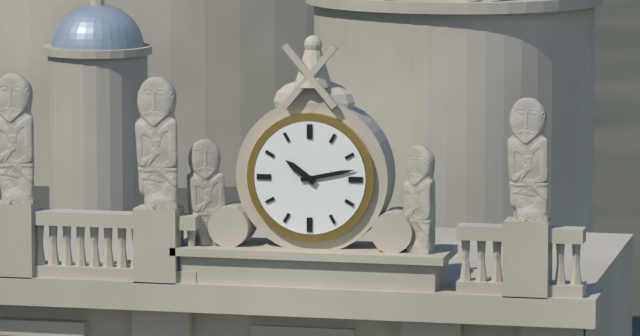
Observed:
10.13
